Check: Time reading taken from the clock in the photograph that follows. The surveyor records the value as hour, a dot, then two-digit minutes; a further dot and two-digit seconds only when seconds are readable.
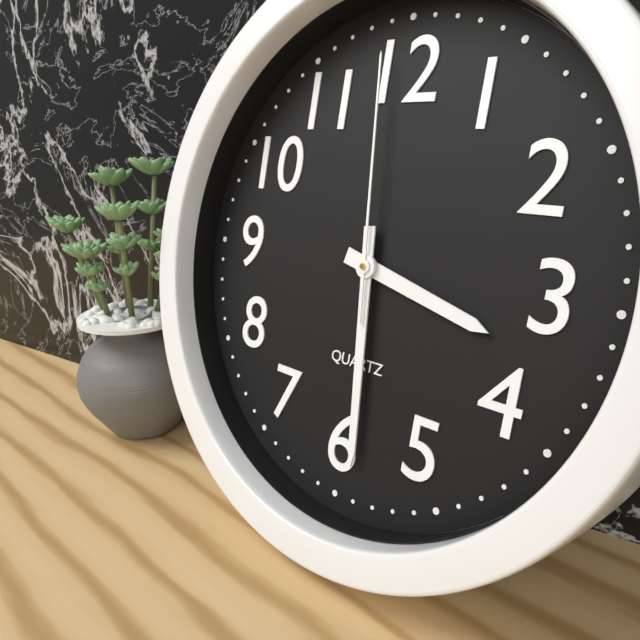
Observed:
3.29.59
